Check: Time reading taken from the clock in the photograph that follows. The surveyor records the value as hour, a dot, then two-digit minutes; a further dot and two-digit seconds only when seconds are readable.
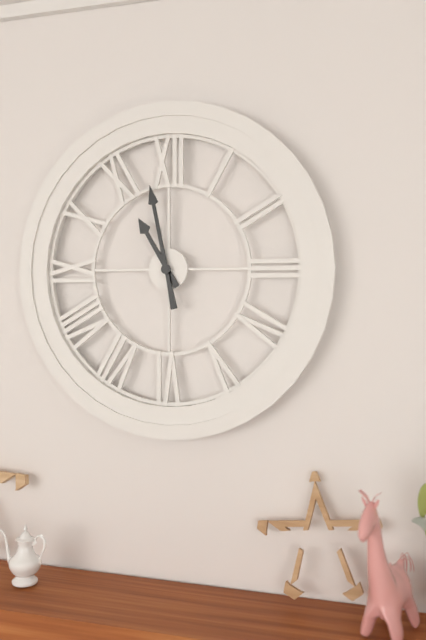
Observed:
10.58
